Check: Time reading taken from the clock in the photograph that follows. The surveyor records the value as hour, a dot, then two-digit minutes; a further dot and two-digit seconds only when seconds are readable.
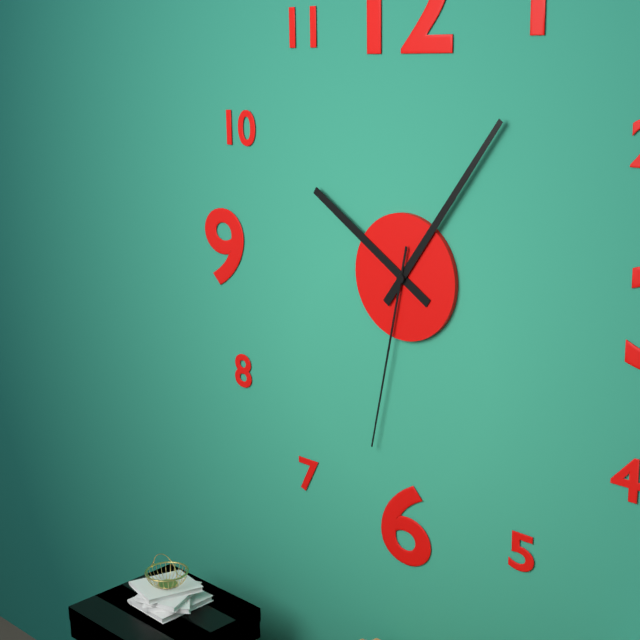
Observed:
10.06.32
